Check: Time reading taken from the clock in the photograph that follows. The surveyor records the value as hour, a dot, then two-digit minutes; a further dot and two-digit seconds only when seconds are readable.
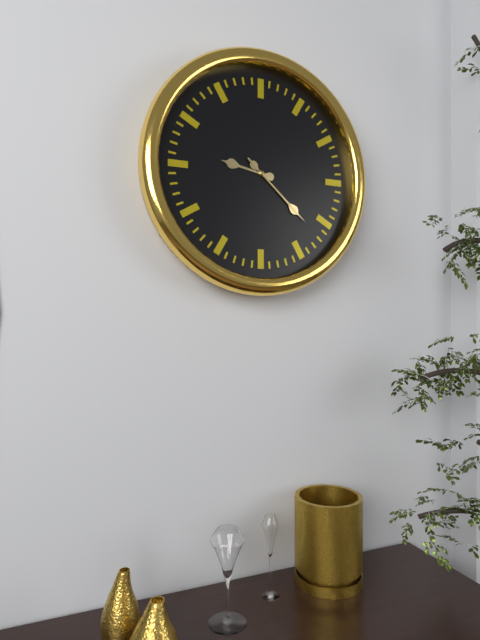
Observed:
9.22.22
